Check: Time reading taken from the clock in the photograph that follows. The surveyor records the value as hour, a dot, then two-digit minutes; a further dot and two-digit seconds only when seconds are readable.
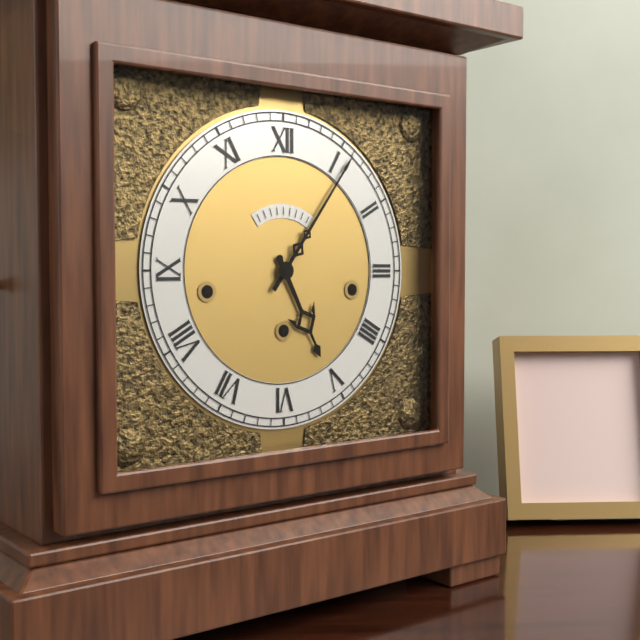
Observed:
5.06
